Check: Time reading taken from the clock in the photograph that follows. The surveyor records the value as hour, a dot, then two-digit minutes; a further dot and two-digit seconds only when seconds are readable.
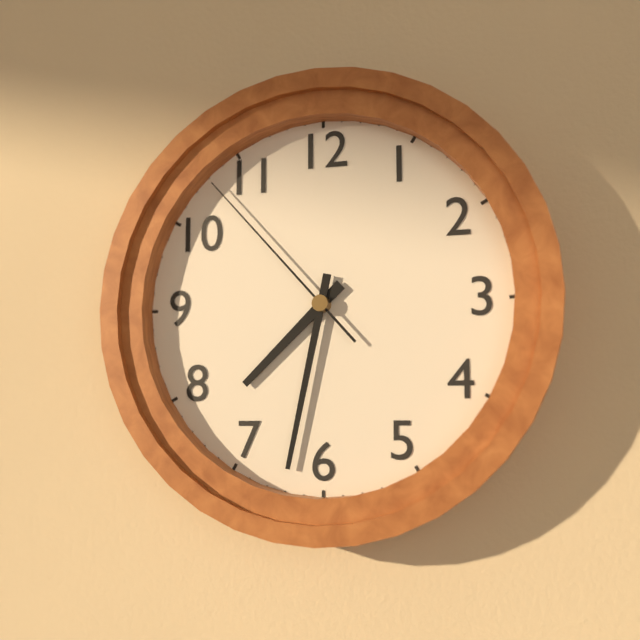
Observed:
7.32.53
